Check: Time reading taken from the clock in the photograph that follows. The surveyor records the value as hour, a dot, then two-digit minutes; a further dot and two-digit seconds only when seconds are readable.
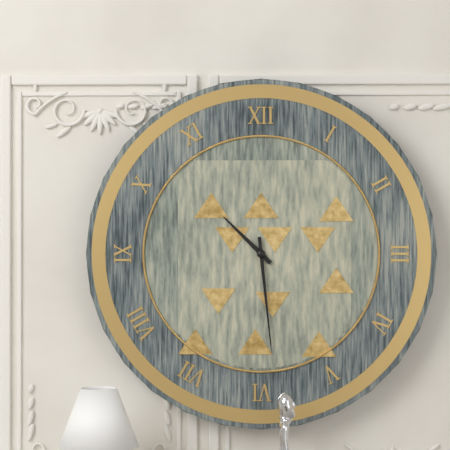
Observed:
10.29
